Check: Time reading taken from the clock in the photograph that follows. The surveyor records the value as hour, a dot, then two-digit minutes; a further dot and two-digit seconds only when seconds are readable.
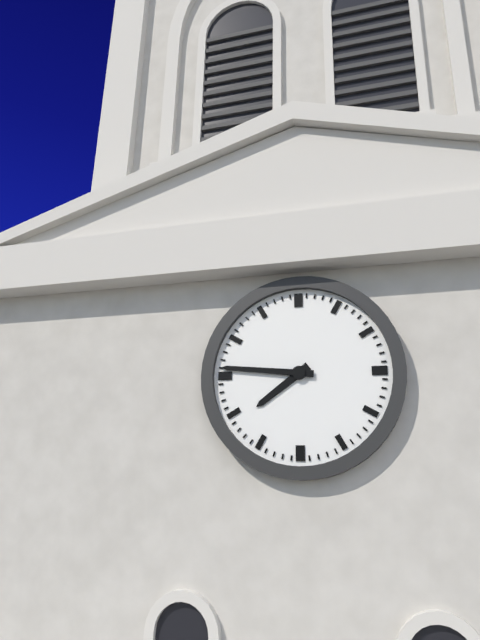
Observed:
7.46
